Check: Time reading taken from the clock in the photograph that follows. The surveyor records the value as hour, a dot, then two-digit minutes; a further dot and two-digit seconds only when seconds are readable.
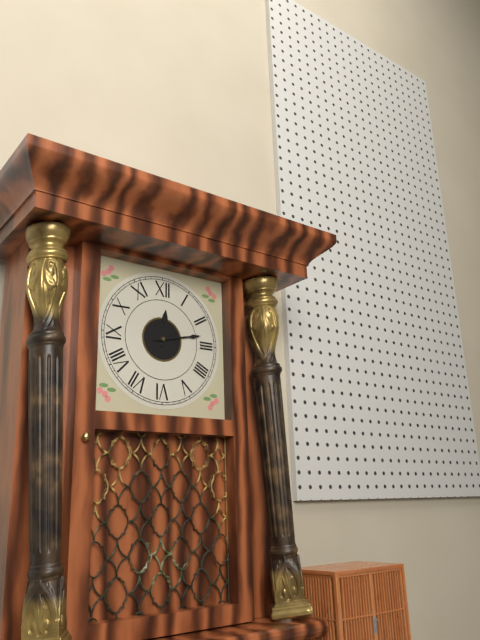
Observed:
12.13
